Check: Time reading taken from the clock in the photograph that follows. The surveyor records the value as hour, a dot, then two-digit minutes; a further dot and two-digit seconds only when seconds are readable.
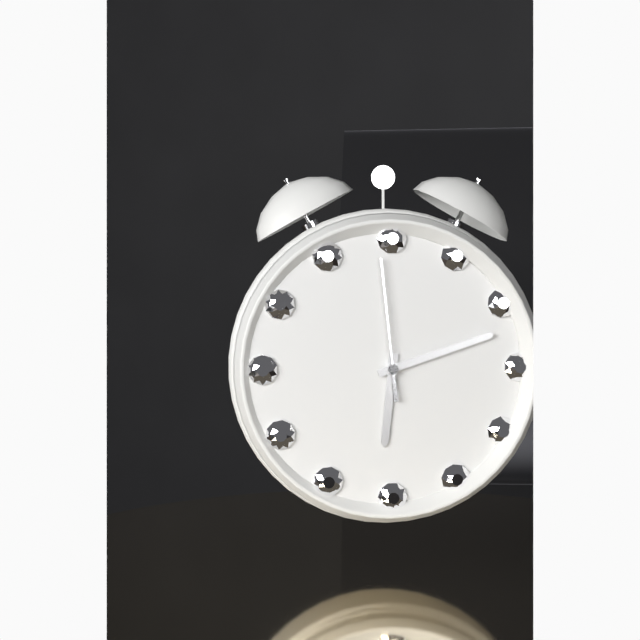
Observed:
6.12.59
